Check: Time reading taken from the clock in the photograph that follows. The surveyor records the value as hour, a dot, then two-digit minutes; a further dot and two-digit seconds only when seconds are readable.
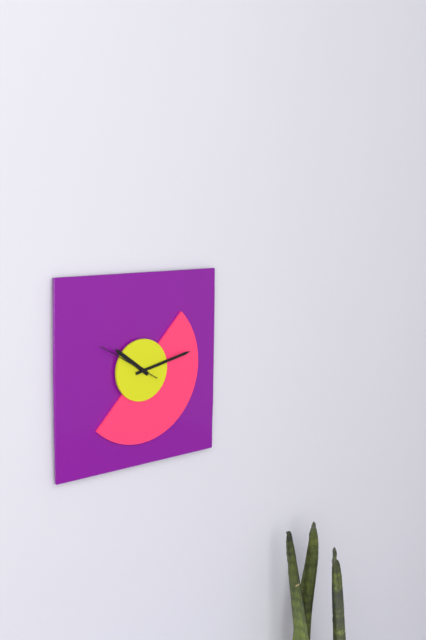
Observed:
10.13.50
